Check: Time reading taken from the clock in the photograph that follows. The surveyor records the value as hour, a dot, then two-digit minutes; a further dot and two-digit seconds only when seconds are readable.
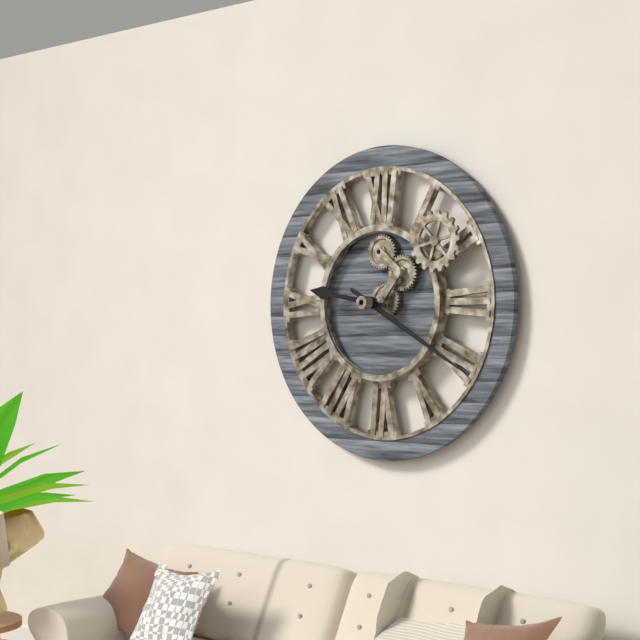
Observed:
9.20
